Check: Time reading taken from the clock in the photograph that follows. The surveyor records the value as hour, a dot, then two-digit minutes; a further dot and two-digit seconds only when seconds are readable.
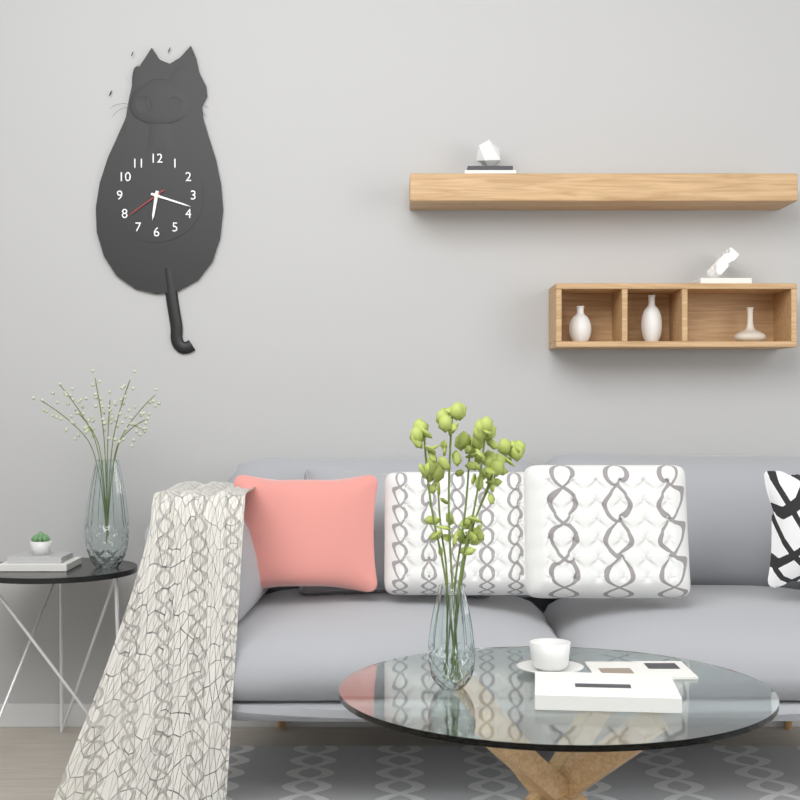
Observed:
6.18
